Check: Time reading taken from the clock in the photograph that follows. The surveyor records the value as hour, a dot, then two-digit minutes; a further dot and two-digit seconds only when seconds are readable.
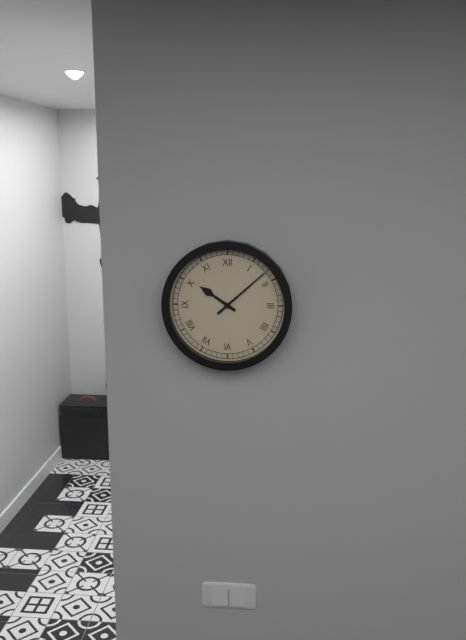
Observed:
10.08
